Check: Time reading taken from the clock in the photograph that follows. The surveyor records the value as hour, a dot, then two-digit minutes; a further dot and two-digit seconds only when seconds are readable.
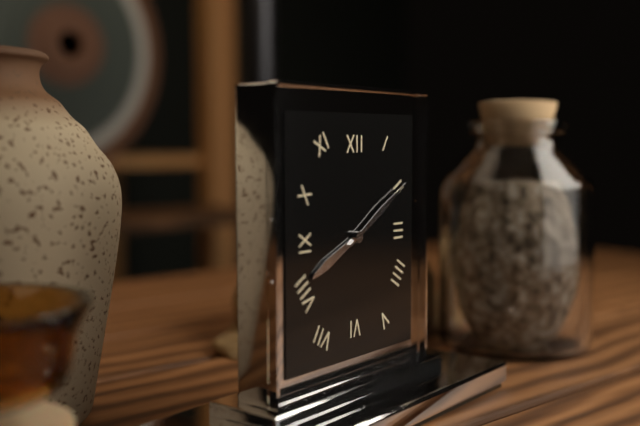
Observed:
8.10
